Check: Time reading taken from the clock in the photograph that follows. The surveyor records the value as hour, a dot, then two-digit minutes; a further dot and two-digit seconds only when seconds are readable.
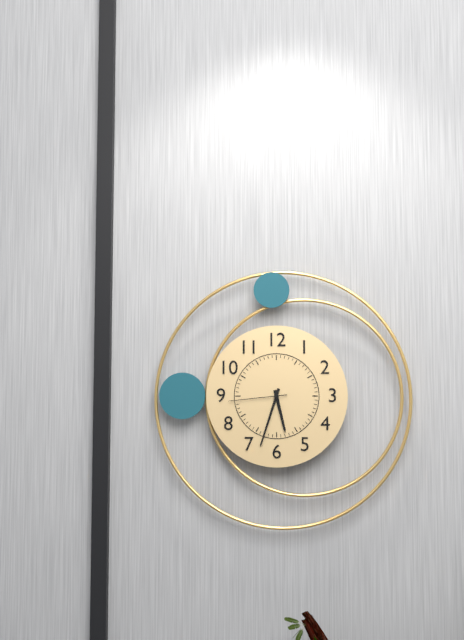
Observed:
5.33.44
